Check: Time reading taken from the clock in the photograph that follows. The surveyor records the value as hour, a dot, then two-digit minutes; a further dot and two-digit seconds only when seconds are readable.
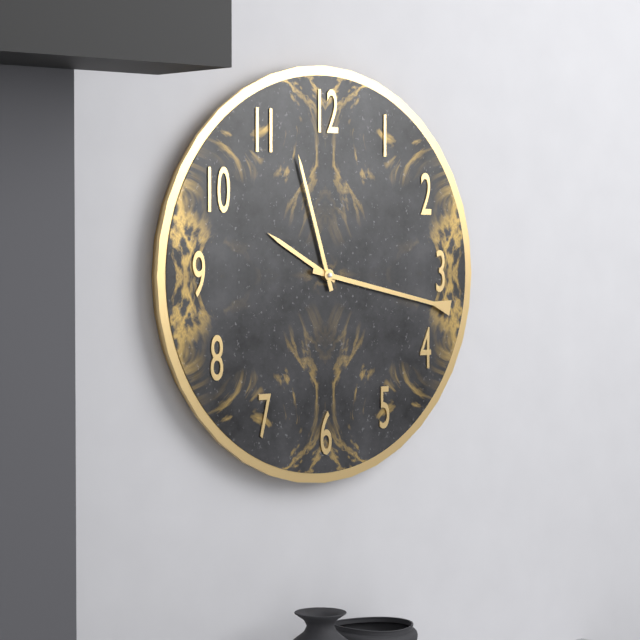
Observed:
9.57.17
